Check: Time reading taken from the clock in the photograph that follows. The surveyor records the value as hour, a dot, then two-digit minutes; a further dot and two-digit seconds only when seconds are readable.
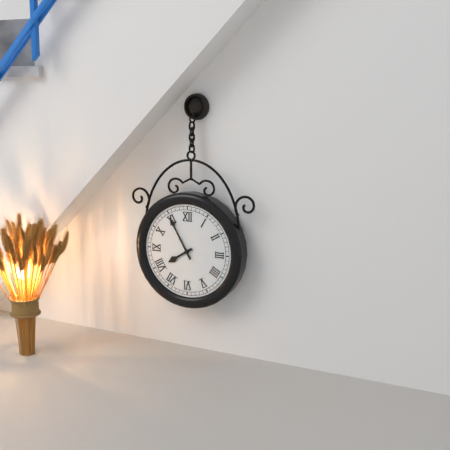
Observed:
7.55
